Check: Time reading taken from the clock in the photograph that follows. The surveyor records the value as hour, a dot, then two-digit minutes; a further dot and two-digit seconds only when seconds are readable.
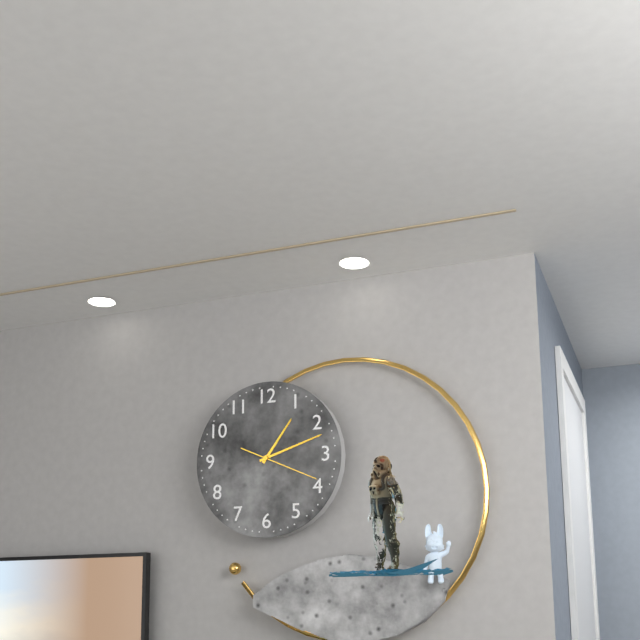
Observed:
1.12.19
